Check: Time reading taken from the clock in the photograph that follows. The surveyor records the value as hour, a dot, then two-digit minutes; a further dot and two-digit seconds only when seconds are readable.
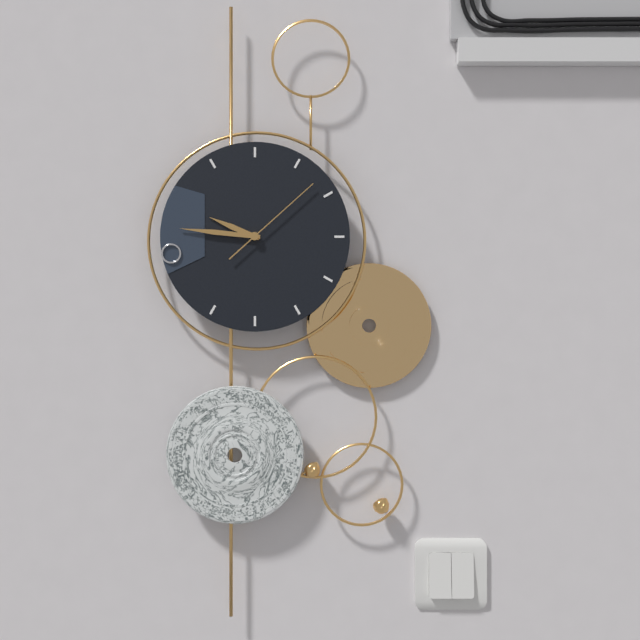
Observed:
9.46.08
